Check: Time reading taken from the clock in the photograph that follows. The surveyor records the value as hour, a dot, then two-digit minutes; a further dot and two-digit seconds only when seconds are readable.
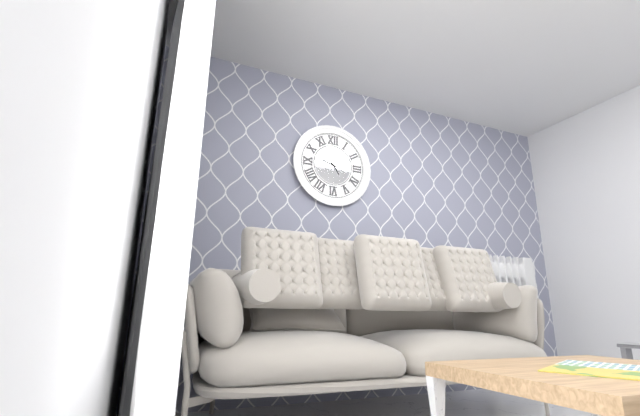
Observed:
4.48
